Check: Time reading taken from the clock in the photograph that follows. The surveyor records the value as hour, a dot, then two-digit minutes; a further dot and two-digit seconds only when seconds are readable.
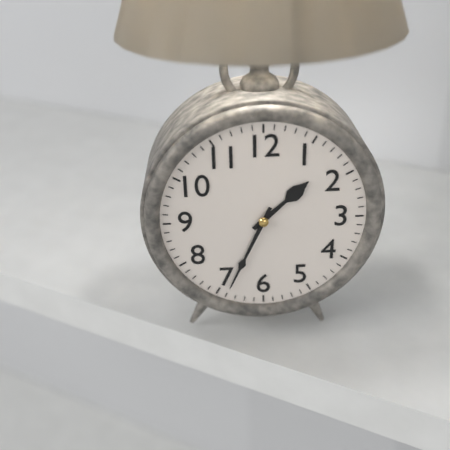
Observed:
1.34
